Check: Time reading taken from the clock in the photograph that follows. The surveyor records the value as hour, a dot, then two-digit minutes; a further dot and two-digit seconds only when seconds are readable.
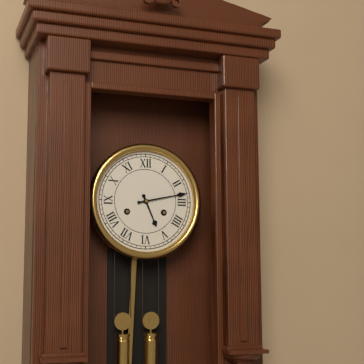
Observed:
5.13
